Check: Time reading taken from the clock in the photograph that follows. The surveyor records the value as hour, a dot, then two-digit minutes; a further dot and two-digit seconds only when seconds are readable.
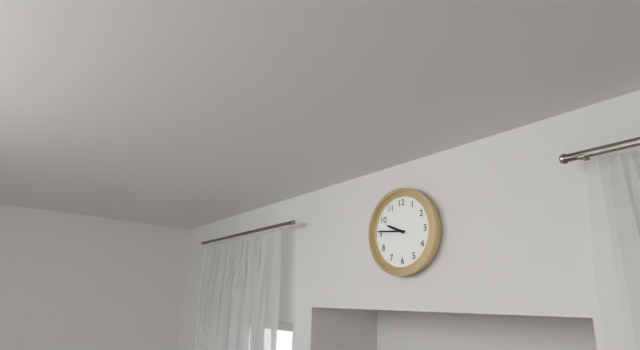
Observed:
9.46
